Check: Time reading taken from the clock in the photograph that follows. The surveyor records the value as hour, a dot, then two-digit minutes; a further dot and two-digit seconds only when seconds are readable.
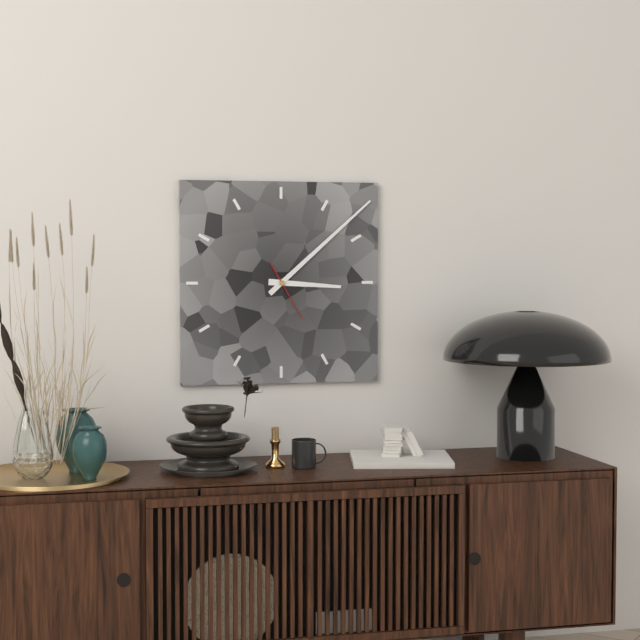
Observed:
3.08.25
